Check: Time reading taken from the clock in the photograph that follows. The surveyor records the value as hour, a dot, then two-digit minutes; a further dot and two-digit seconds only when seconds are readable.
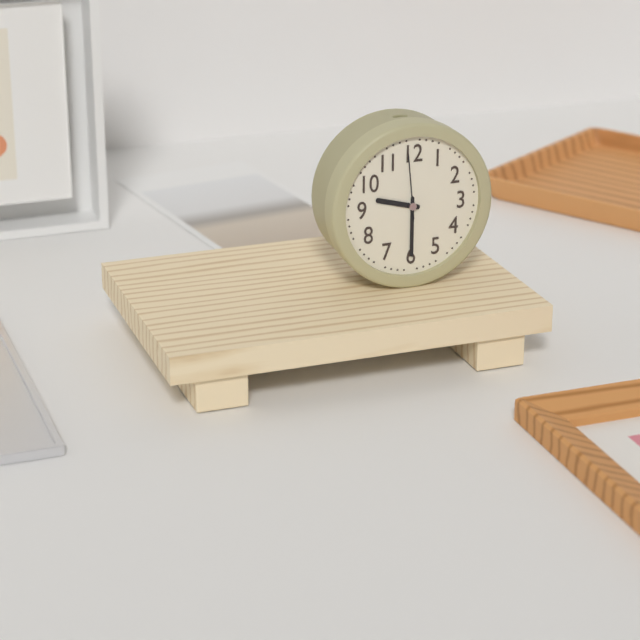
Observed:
9.30.59
